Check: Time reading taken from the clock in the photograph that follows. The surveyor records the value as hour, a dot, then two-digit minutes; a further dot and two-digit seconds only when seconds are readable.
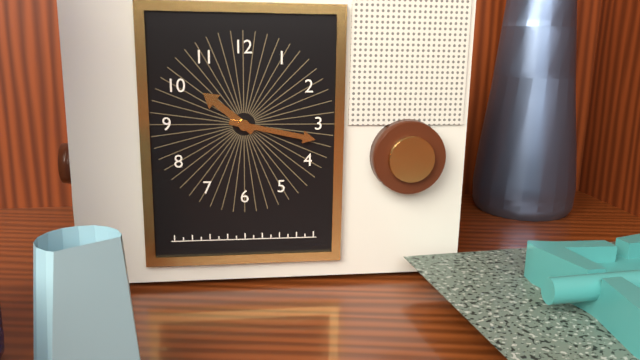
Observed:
10.17
